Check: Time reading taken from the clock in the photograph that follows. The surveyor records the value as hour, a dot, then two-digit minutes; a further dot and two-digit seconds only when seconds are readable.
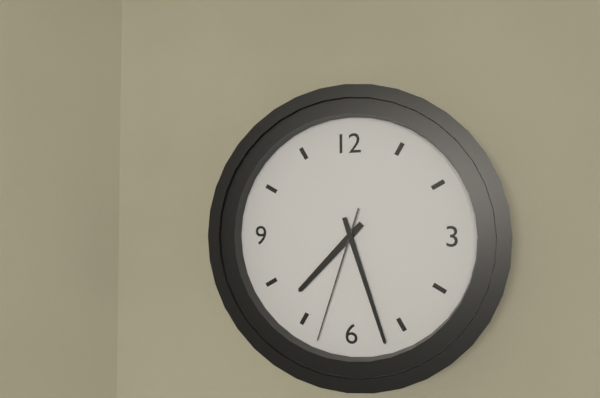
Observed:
7.27.33
